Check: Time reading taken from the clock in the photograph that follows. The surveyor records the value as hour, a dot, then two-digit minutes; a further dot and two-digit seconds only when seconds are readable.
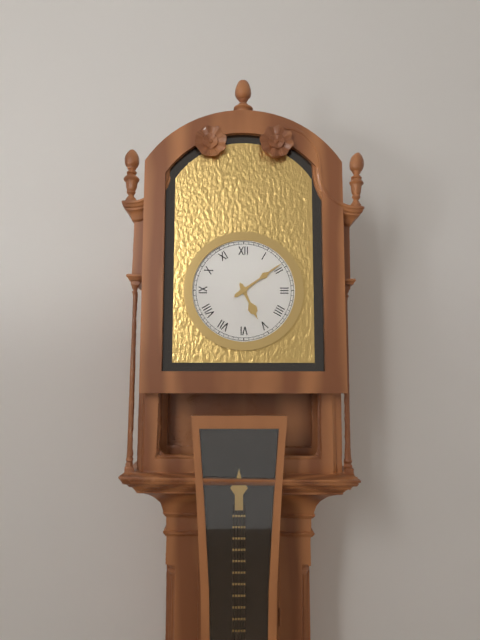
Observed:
5.09
